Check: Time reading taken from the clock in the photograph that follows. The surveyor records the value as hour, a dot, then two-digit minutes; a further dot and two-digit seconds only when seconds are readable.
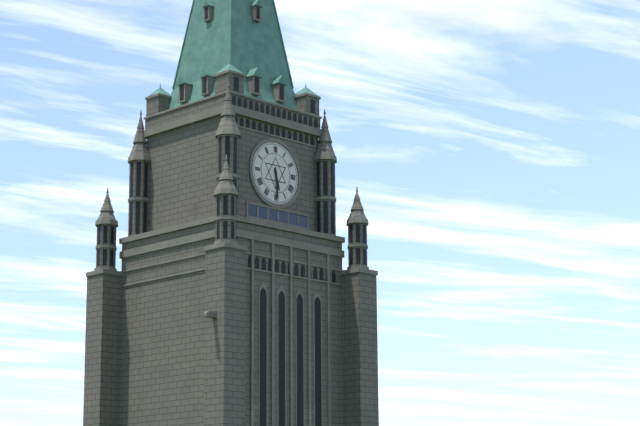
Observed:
5.29
